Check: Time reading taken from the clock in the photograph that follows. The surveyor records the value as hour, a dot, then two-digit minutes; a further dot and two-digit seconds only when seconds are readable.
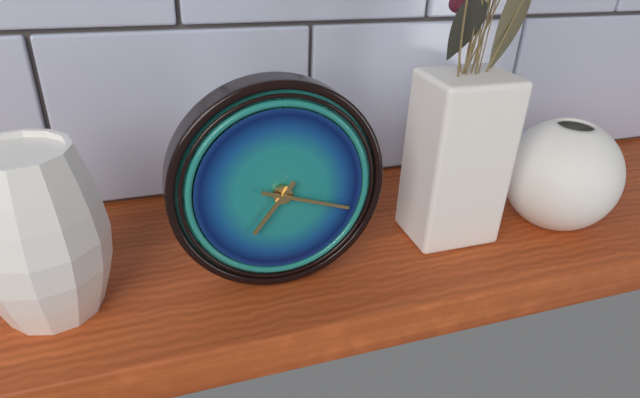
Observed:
7.18
